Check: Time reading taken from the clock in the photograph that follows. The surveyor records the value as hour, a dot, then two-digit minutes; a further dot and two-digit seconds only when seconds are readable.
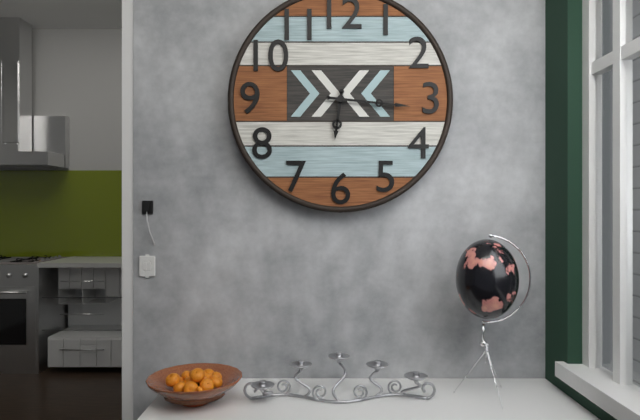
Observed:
6.16
